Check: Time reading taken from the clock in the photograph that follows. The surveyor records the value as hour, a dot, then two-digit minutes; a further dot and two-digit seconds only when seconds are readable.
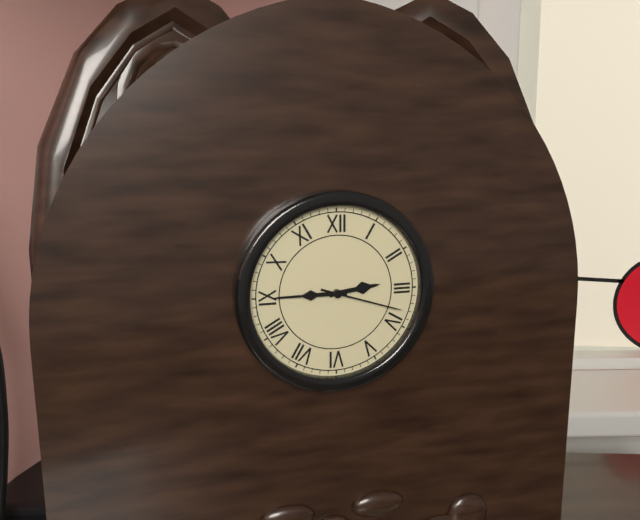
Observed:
2.45.18
